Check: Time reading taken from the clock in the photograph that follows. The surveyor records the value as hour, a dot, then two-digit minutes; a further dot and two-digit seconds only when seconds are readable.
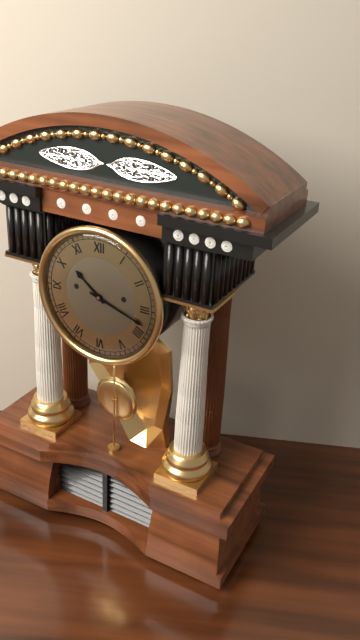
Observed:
10.18
